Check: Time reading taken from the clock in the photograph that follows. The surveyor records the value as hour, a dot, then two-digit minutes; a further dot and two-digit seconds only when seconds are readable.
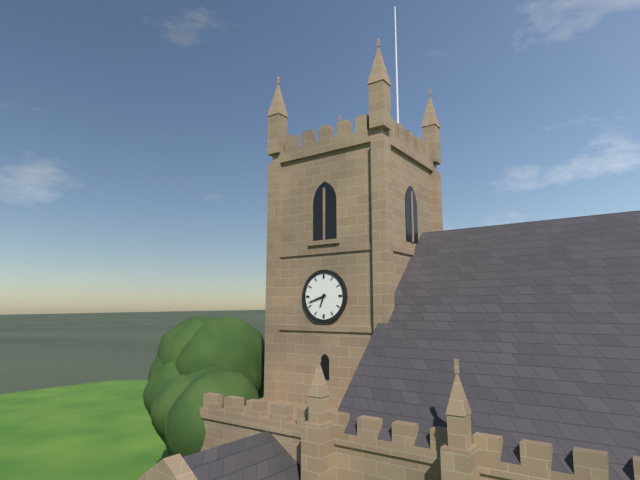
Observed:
6.42
